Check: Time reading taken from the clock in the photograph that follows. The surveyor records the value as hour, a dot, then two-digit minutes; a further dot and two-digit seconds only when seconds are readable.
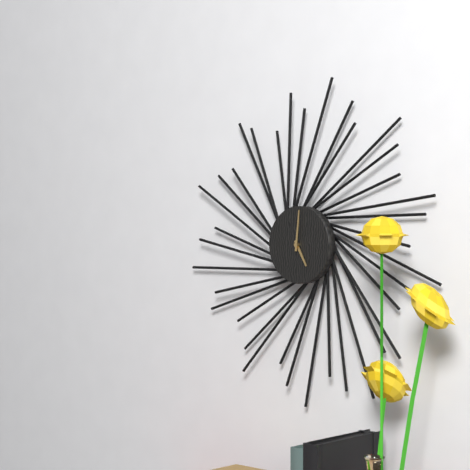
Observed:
5.01
